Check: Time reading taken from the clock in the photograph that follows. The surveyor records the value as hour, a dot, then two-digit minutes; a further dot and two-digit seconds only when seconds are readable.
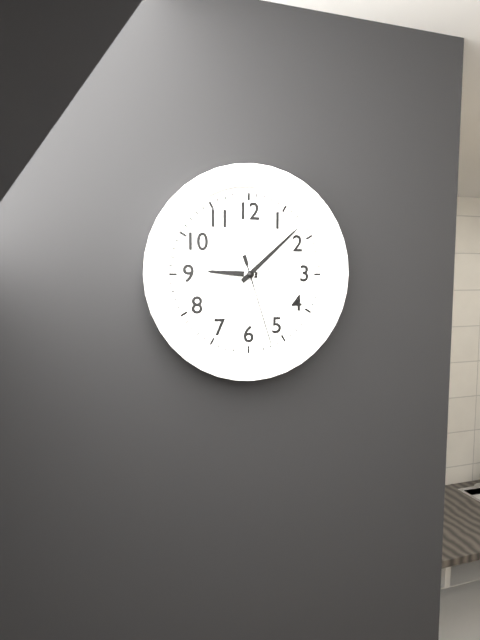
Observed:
9.08.27
